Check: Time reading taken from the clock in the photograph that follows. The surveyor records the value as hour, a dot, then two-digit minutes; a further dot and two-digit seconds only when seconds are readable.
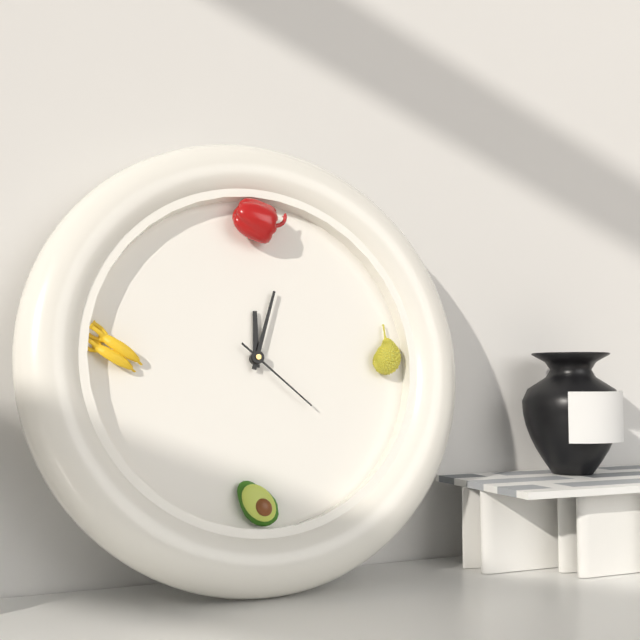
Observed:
12.03.22
